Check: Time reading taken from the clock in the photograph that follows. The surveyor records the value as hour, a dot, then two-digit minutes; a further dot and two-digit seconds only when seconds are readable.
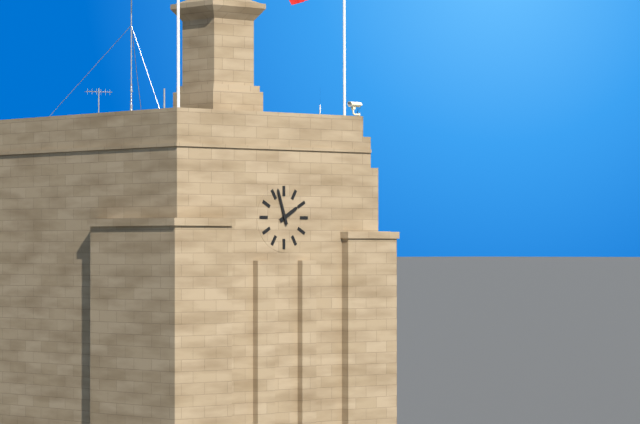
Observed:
1.57
